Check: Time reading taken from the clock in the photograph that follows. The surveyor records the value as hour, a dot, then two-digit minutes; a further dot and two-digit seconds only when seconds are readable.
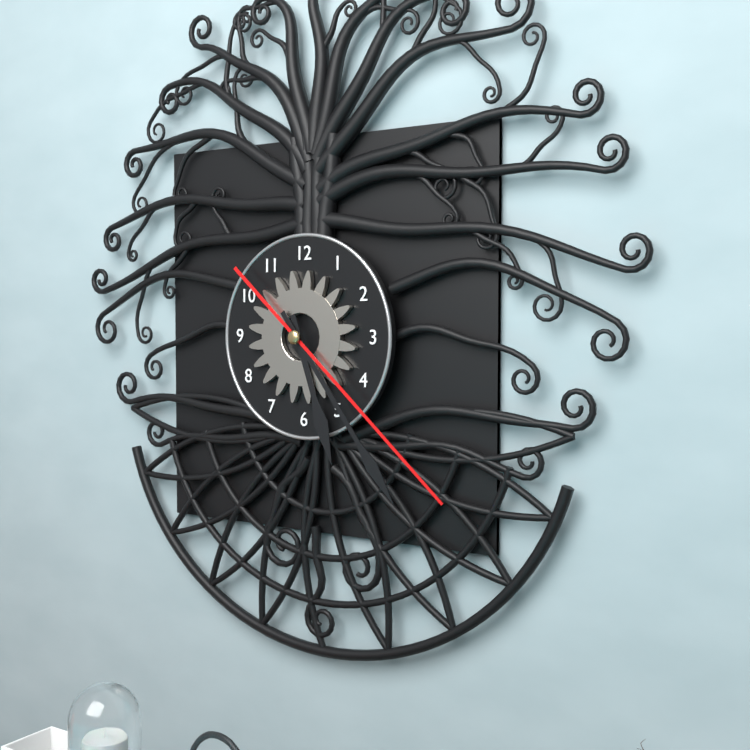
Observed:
5.24.22
